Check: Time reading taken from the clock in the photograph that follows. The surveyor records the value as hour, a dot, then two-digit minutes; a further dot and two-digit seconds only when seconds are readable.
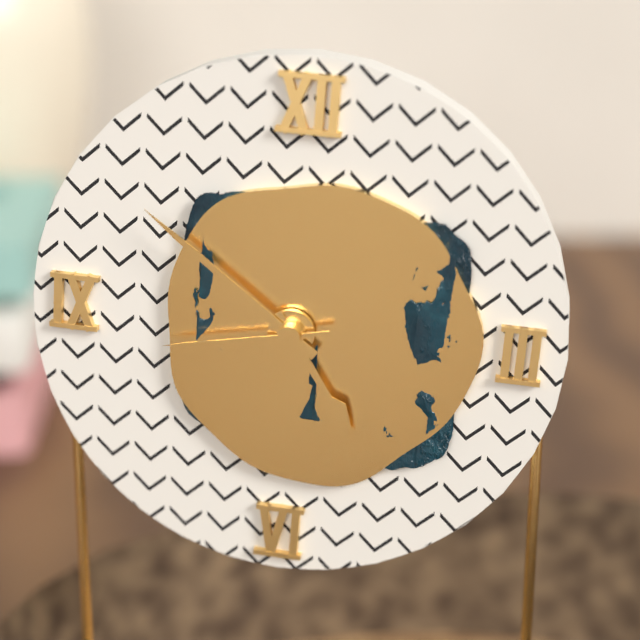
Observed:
4.51.43
